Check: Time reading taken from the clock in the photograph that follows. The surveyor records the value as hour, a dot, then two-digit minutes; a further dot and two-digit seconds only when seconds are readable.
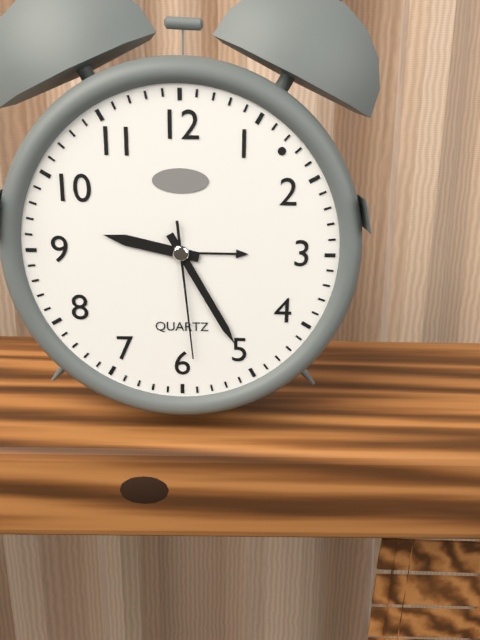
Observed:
9.25.29
